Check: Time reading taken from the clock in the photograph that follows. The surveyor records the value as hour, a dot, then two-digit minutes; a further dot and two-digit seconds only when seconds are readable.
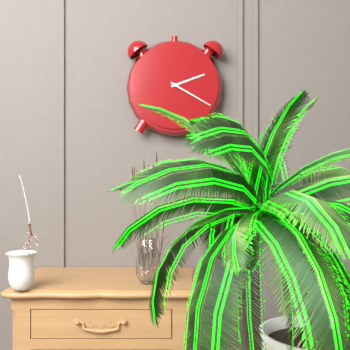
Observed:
2.20
